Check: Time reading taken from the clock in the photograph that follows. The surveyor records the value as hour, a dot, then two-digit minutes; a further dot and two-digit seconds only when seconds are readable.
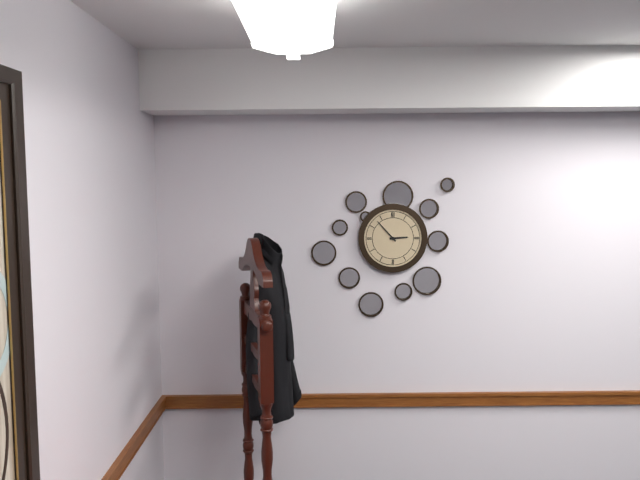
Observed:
2.53
